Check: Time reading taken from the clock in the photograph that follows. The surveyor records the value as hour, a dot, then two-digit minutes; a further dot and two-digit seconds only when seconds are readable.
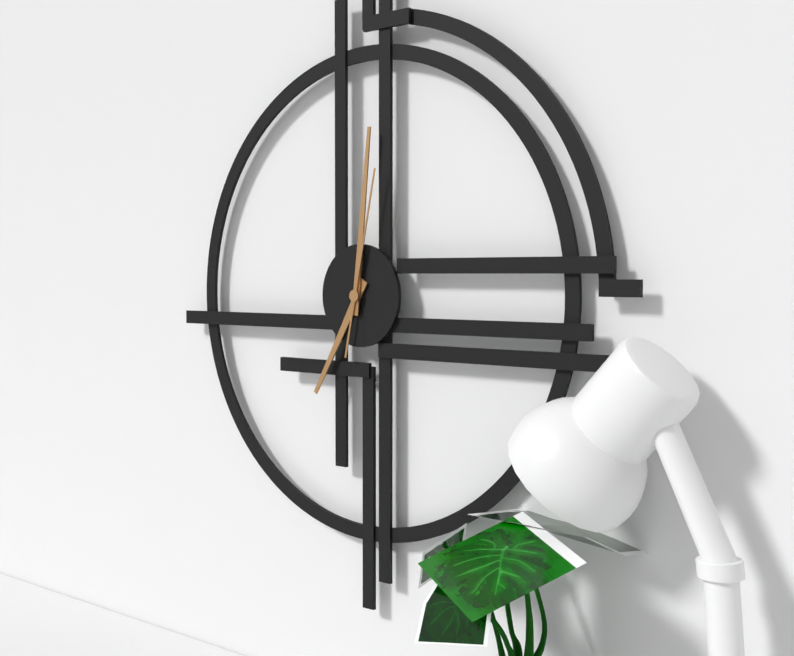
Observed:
7.01.02
